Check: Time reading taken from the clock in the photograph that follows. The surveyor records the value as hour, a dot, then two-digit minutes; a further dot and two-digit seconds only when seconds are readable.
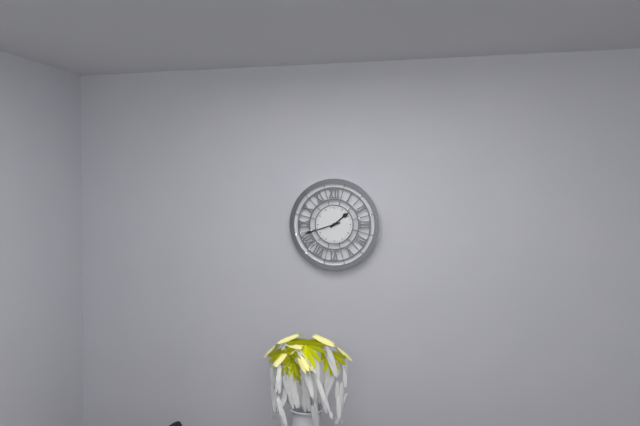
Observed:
1.42
